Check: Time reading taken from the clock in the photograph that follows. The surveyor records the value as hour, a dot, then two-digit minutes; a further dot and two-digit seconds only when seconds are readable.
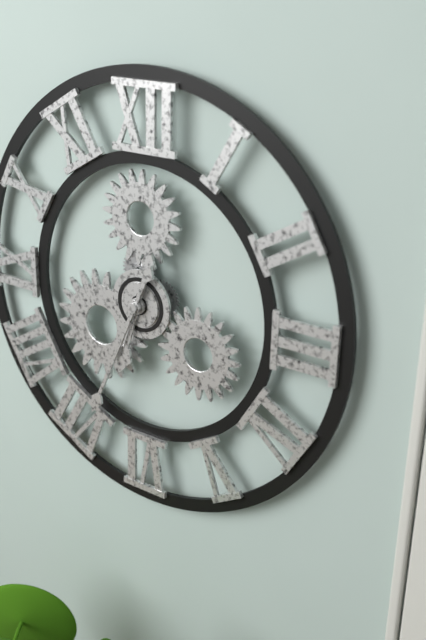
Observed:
6.34
